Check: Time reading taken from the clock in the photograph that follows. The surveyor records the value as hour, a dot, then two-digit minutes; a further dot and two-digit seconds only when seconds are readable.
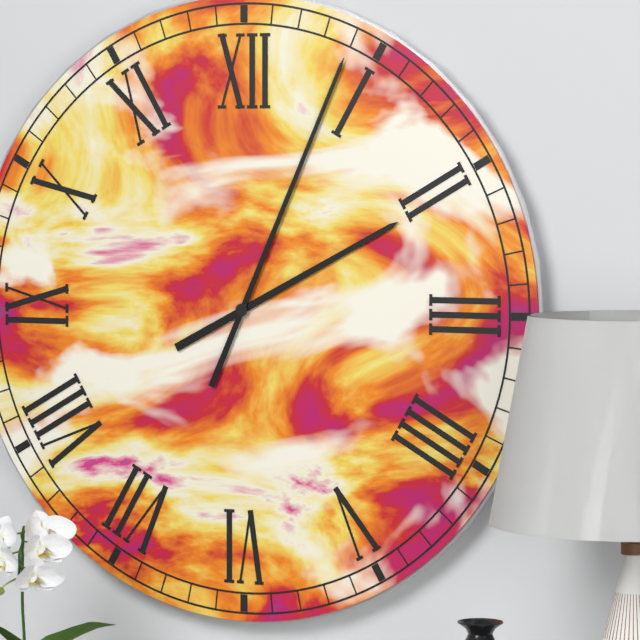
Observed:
2.04
